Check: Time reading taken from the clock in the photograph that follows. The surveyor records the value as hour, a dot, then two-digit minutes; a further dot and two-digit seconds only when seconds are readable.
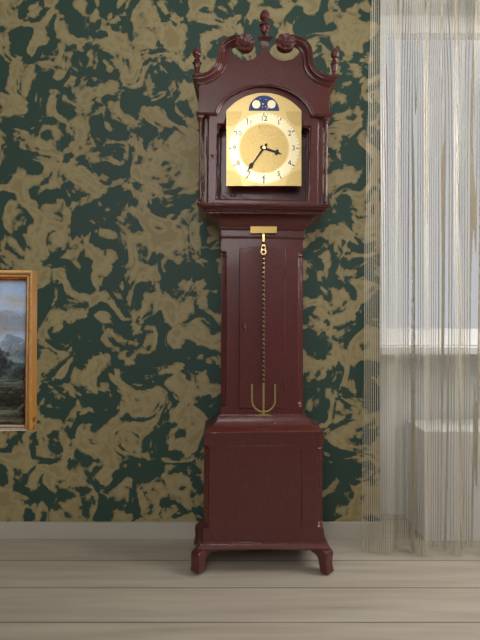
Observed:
3.36
